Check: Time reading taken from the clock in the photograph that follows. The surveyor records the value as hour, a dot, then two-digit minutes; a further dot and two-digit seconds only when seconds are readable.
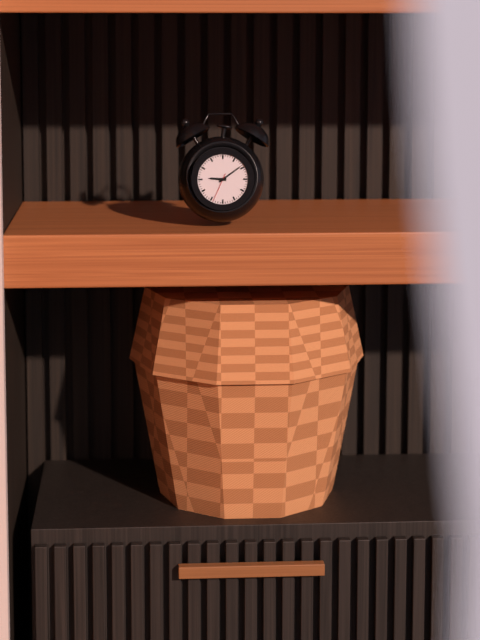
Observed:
9.09
